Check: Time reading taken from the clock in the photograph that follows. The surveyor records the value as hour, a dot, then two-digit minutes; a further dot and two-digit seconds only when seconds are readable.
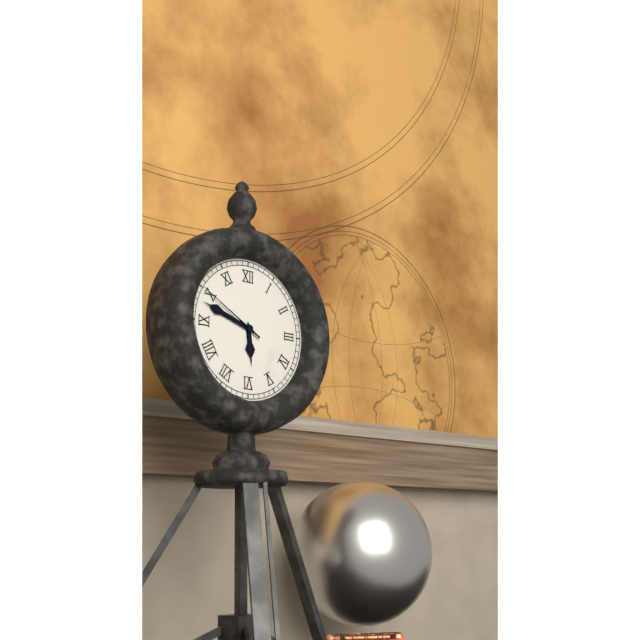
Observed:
5.48.50
